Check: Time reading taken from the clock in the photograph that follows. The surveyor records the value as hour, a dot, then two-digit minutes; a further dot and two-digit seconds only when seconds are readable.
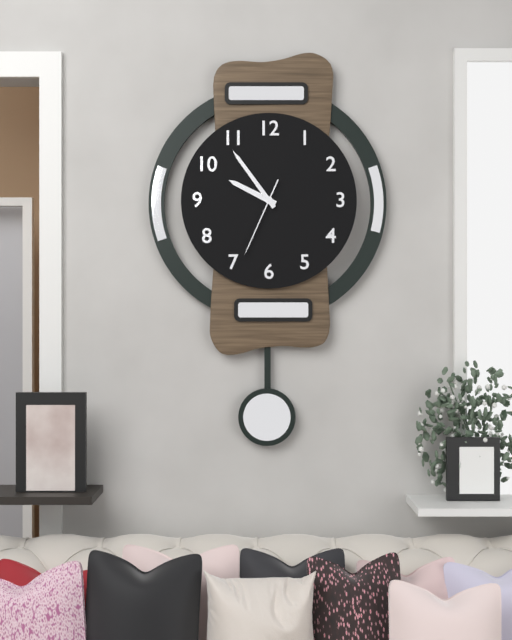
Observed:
9.54.34
